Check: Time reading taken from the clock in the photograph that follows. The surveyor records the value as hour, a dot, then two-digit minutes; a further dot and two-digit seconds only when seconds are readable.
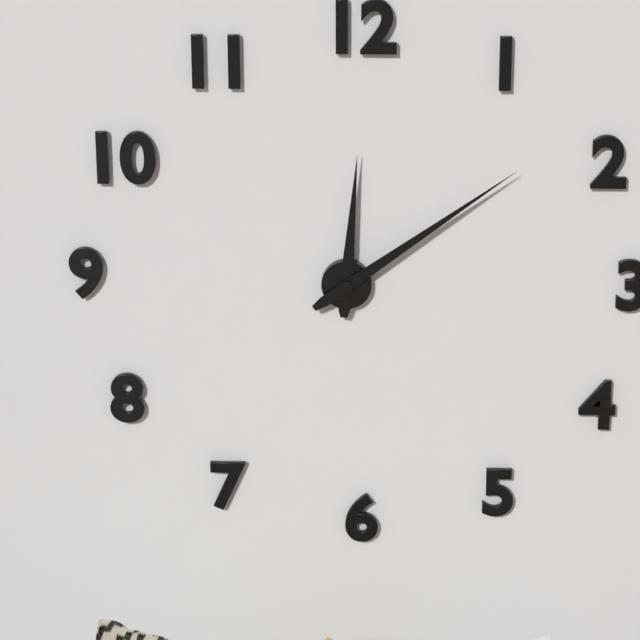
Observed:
12.09
